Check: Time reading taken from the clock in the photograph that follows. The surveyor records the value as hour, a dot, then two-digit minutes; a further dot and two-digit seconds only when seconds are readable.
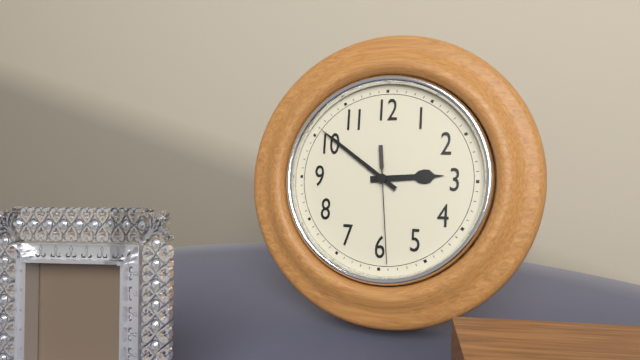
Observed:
2.51.29
